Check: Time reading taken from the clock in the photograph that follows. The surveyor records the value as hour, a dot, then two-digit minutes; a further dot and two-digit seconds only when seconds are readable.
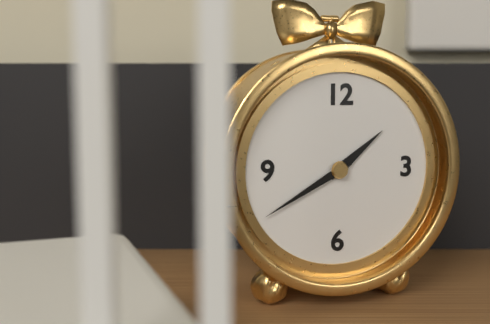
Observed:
1.40
